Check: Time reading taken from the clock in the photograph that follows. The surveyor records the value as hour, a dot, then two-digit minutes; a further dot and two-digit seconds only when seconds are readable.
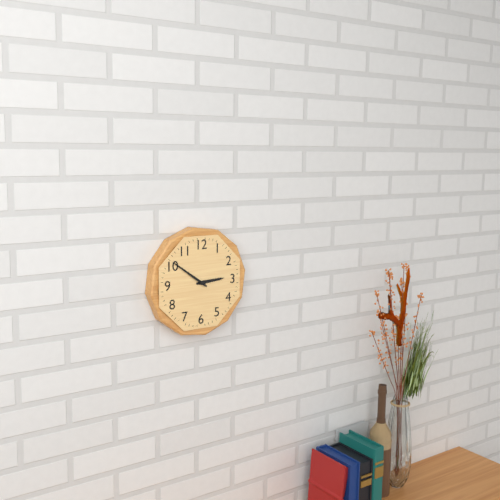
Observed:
2.51
